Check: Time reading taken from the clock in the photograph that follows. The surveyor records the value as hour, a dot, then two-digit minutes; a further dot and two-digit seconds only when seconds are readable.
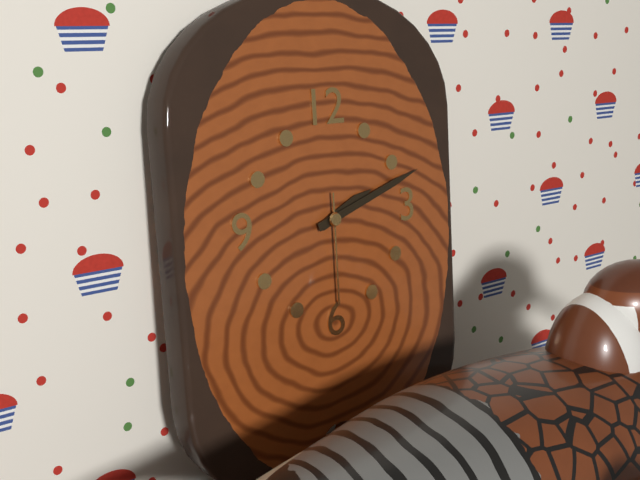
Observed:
2.12.30
